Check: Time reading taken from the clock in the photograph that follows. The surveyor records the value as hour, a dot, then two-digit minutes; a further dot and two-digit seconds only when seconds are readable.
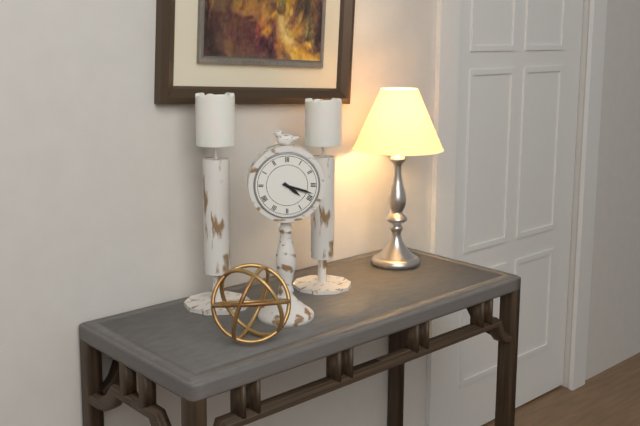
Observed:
4.18
